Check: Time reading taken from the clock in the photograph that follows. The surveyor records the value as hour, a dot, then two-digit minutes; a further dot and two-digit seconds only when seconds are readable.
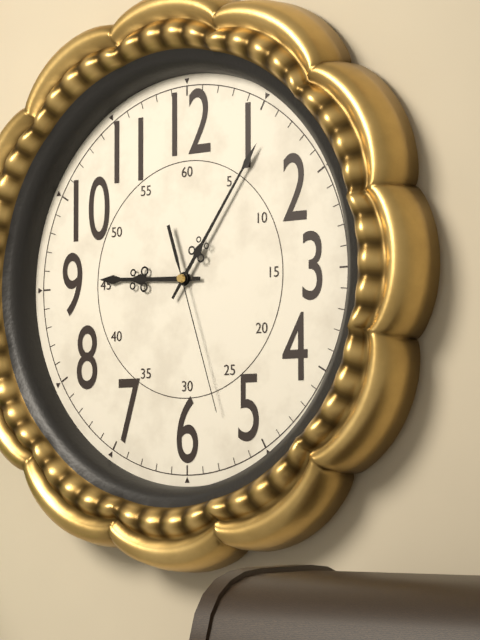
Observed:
9.06.27
